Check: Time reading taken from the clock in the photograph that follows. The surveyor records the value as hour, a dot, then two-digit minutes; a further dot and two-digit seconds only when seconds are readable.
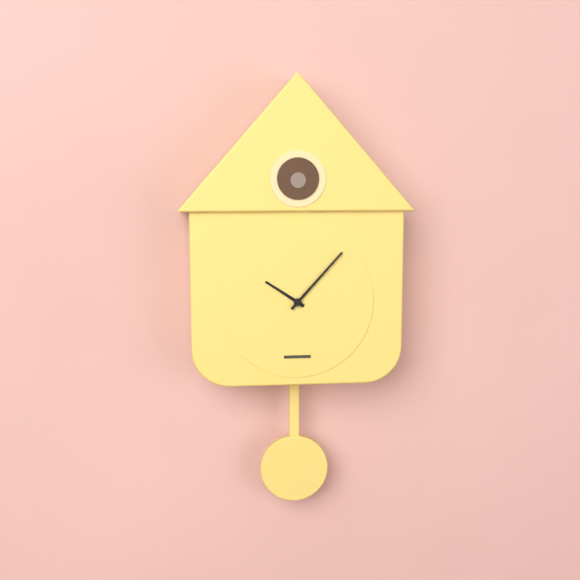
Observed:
10.07
